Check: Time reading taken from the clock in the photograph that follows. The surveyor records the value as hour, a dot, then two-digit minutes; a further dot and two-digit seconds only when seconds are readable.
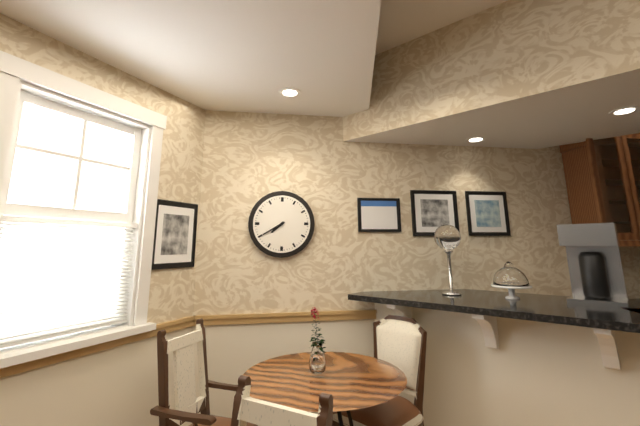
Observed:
7.40
